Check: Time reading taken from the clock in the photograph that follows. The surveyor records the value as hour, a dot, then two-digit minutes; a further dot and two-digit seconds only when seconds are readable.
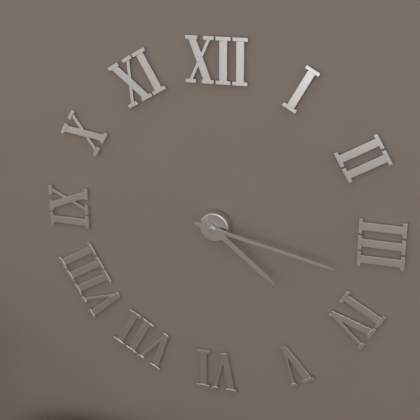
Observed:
4.17
